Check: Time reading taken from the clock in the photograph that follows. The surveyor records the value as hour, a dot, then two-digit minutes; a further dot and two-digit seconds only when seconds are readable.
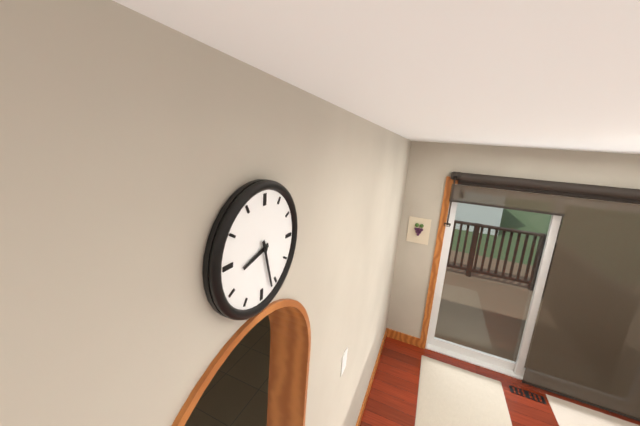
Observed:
8.27
